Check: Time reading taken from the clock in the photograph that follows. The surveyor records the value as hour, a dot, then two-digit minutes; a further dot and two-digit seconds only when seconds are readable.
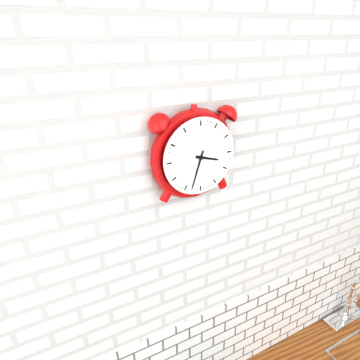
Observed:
3.33
